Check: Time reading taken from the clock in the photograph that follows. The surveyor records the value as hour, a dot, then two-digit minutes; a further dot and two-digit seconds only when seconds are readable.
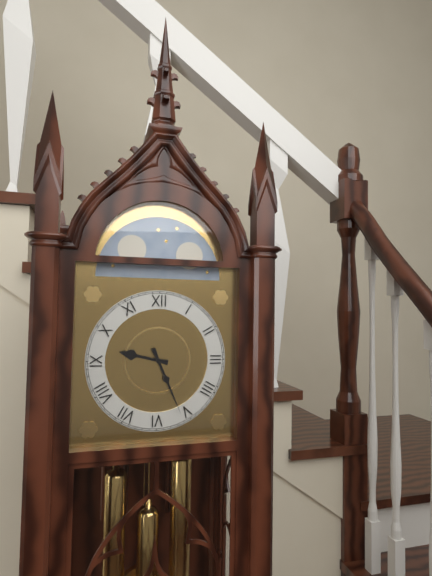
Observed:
9.26
